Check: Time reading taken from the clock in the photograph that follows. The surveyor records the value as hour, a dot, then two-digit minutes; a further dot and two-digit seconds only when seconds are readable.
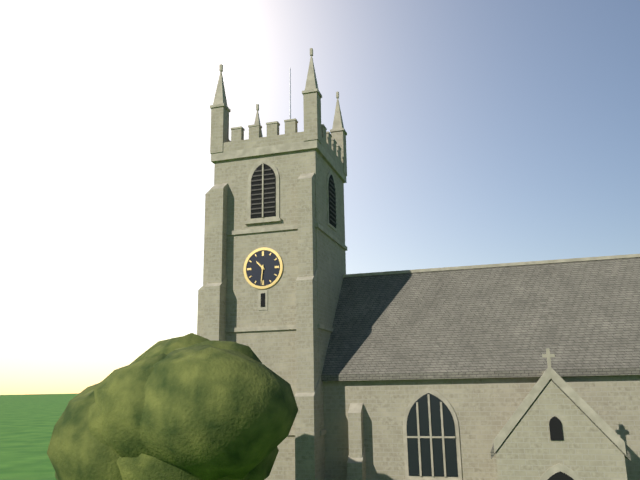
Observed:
10.31
